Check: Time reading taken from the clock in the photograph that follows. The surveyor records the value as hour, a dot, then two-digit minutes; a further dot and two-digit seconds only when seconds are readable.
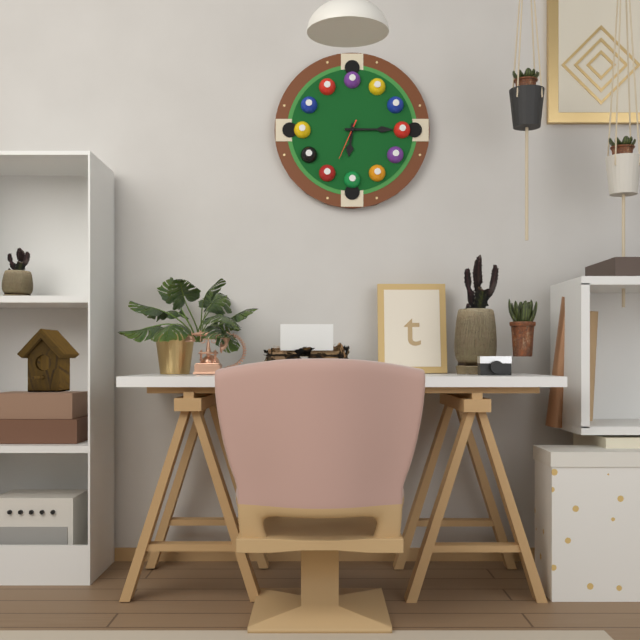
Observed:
6.15
